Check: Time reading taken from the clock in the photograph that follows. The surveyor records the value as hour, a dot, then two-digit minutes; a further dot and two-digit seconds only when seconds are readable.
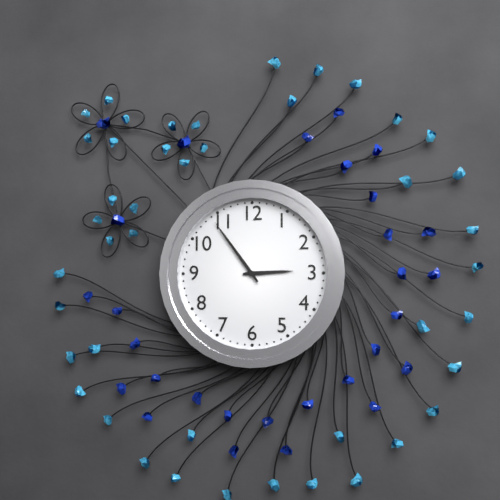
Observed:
2.54
